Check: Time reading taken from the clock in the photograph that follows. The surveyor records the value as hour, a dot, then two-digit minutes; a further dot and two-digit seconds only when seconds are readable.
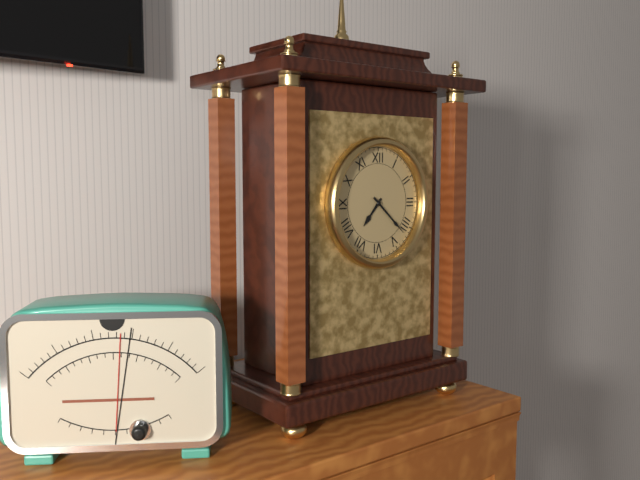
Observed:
7.22
